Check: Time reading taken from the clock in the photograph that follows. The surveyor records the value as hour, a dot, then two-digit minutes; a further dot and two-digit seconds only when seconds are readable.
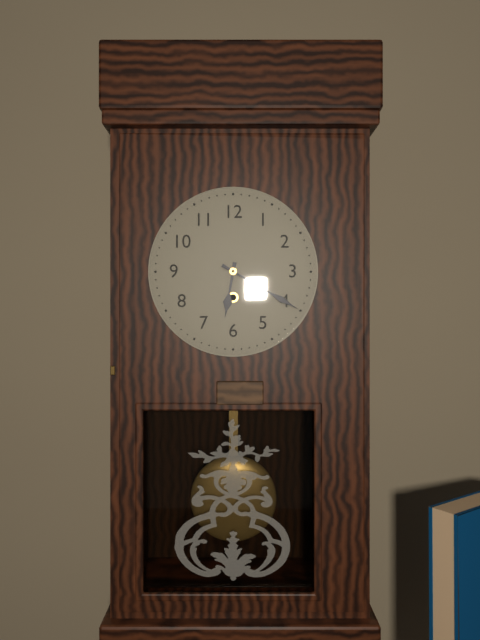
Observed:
6.20
